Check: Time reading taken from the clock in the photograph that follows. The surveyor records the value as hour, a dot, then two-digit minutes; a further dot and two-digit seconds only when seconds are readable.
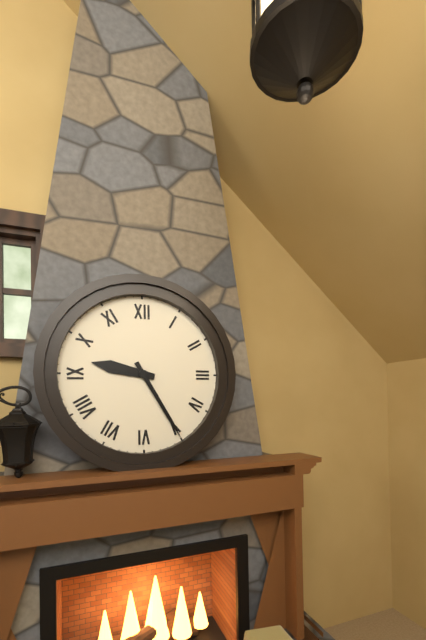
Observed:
9.25
